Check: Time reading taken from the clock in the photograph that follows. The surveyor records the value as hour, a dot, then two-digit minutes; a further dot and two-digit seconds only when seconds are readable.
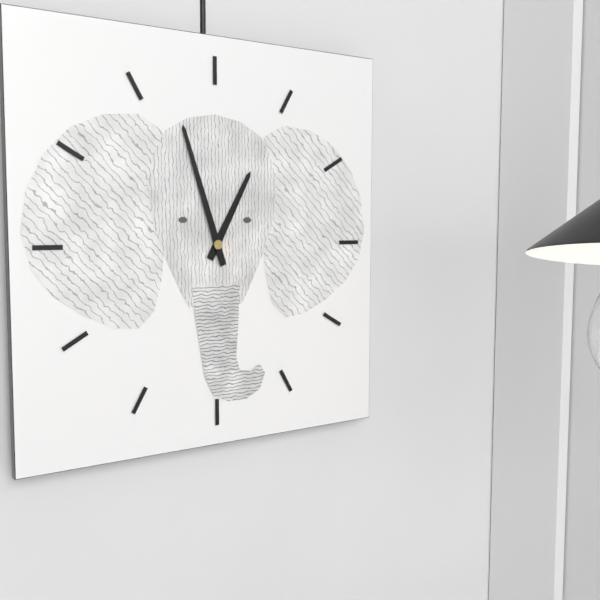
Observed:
12.57
